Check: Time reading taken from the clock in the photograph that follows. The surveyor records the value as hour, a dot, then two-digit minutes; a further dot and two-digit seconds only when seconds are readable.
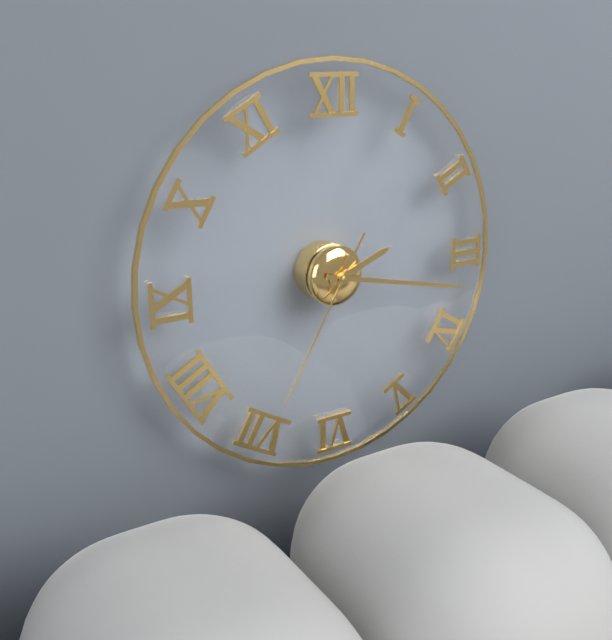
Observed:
2.17.35
